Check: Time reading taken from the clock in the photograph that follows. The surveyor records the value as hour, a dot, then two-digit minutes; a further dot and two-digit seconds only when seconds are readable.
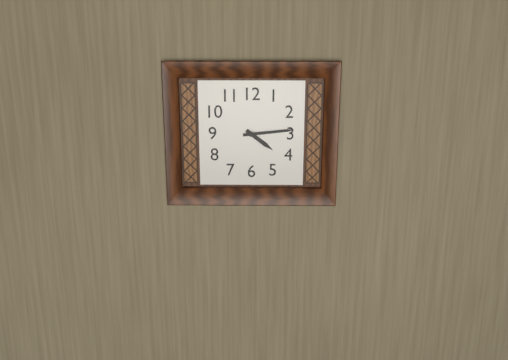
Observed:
4.14
